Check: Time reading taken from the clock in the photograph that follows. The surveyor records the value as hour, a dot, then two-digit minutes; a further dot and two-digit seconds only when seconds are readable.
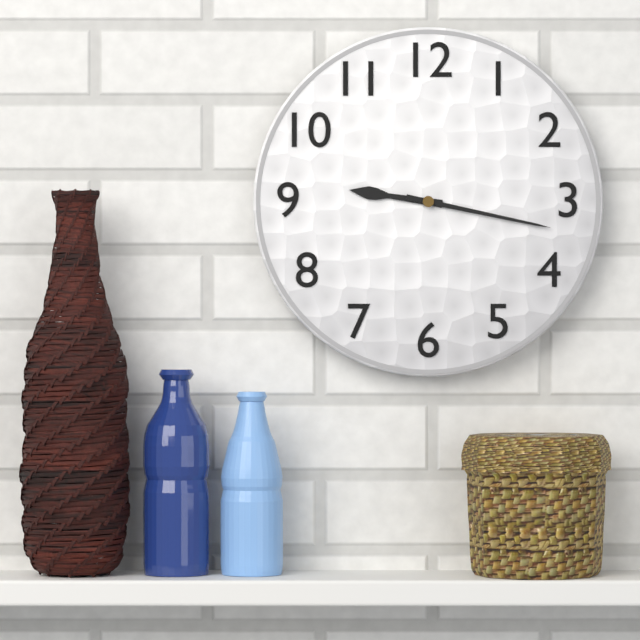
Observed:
9.17
